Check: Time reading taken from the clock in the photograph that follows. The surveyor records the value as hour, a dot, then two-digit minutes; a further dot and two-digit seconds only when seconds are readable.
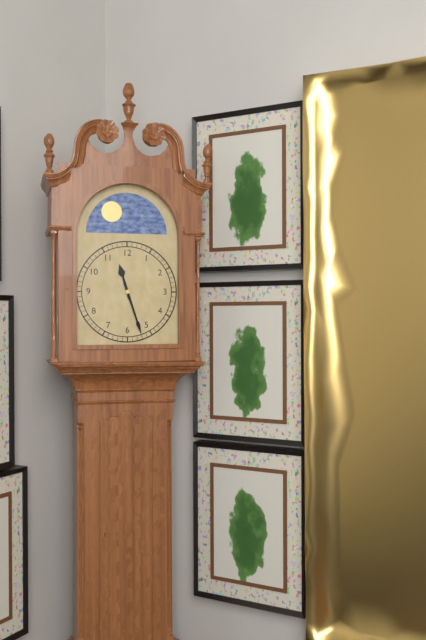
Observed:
11.27
